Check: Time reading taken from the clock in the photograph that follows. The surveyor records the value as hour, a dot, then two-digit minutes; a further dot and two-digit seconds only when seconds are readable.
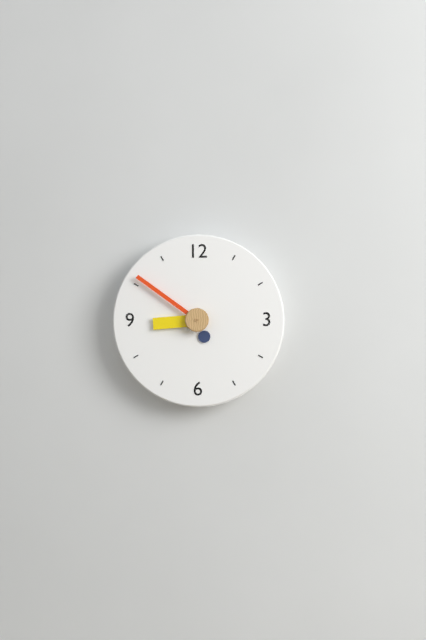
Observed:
8.51
